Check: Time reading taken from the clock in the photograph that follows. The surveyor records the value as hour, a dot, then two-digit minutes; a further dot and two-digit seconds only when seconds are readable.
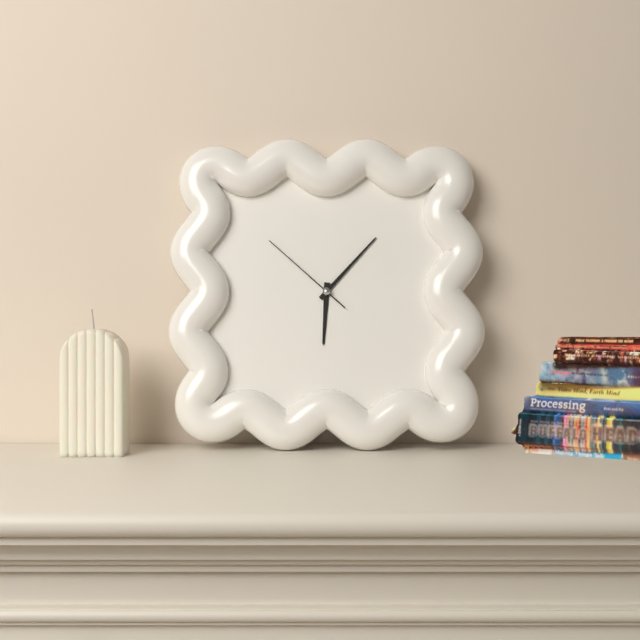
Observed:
6.07.52
